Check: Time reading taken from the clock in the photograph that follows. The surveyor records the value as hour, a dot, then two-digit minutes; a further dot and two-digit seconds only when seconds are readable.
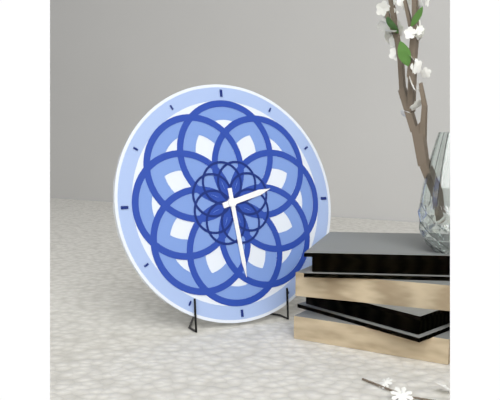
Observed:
2.29
